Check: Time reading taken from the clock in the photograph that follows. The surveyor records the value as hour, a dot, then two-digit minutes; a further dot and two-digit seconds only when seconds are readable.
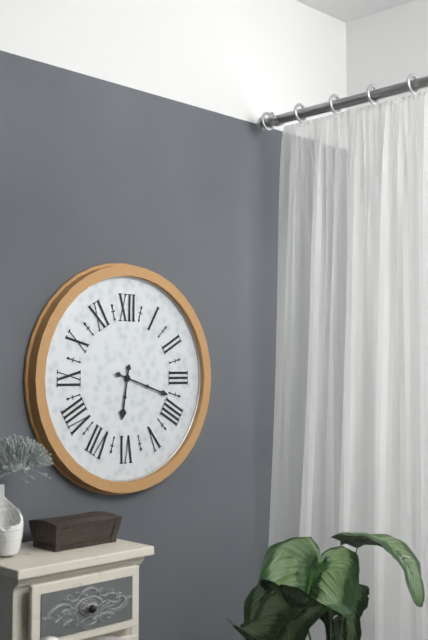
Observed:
6.18
